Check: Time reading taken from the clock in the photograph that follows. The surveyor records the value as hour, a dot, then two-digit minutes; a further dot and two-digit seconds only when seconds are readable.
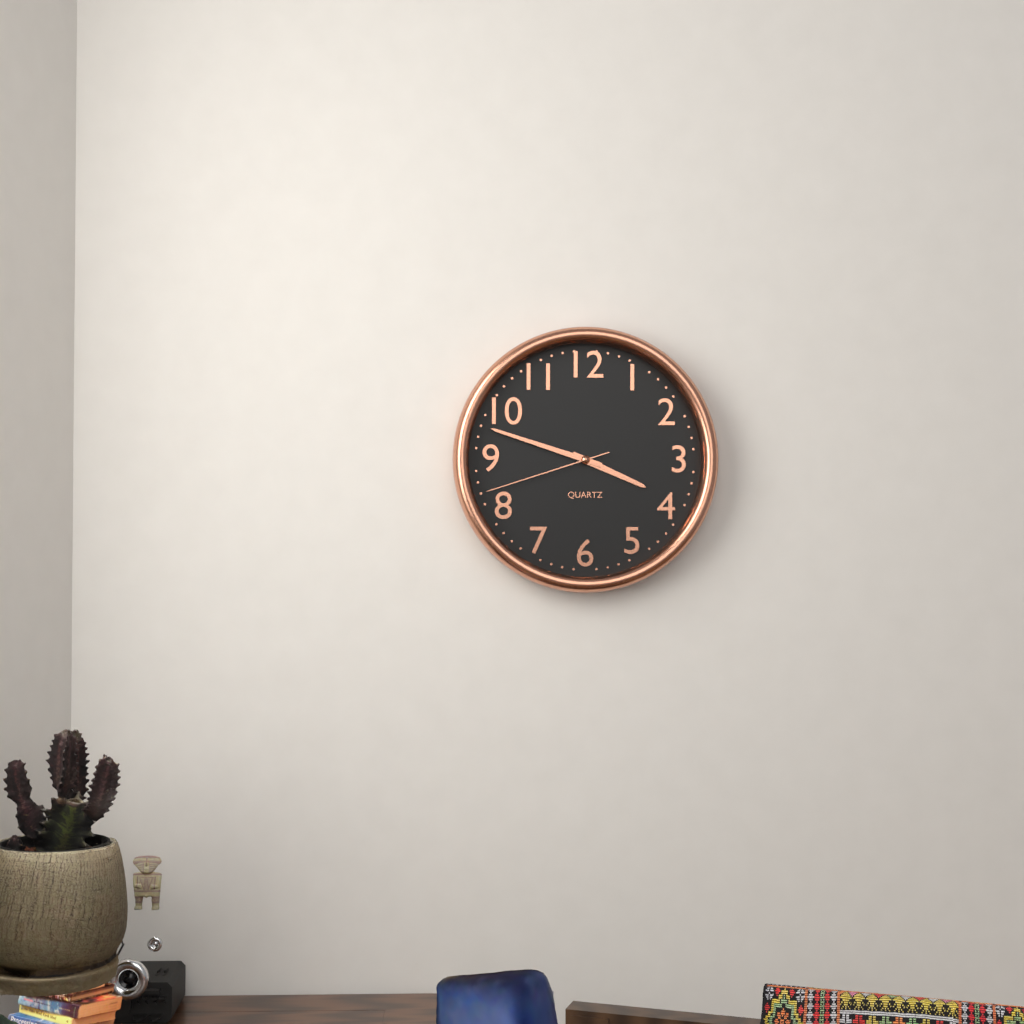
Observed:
3.48.42
